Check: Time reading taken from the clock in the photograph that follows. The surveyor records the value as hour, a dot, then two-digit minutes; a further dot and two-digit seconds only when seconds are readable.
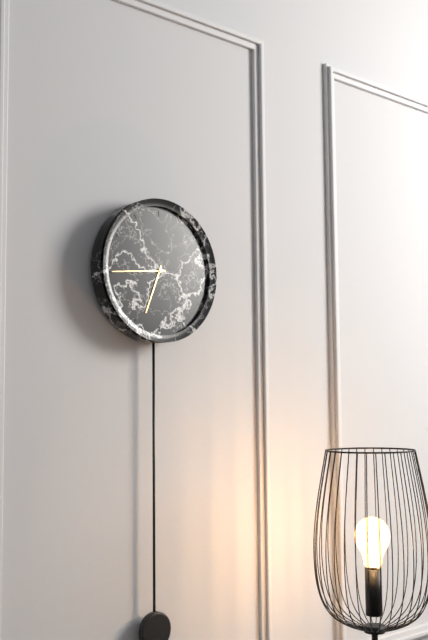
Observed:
6.44
